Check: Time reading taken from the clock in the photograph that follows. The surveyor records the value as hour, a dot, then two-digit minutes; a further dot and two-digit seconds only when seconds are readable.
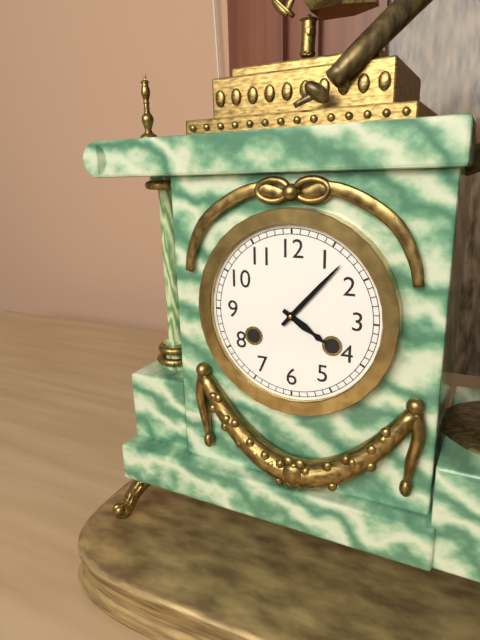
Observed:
4.07
